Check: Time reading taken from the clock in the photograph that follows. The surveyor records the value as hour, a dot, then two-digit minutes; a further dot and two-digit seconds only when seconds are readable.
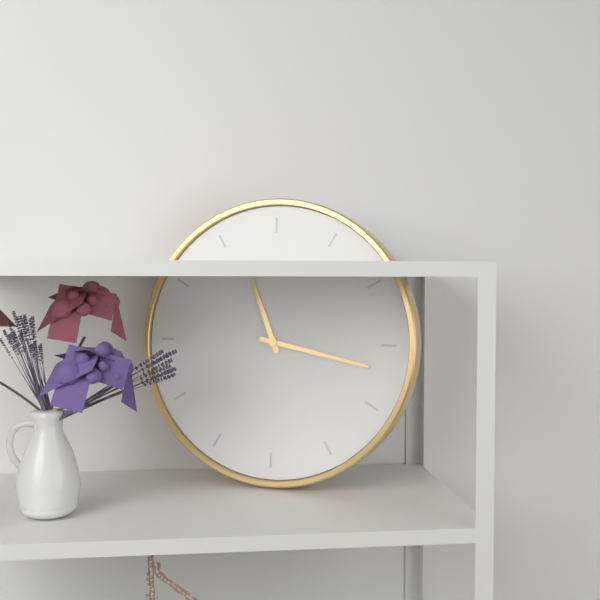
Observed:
11.17
